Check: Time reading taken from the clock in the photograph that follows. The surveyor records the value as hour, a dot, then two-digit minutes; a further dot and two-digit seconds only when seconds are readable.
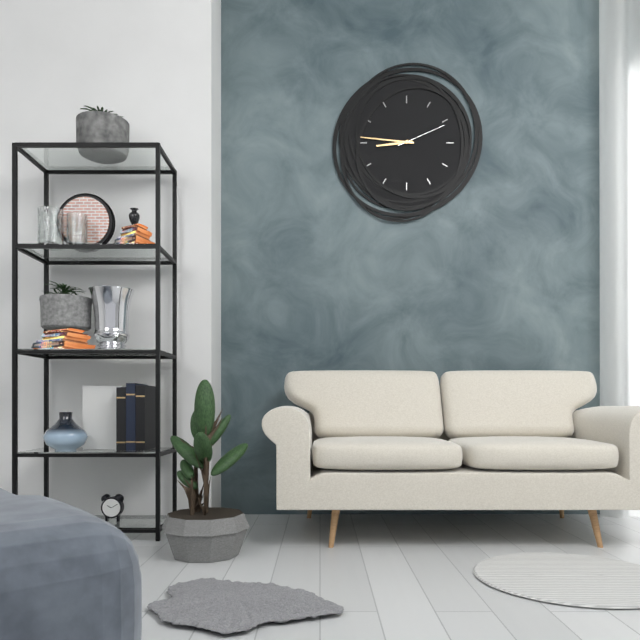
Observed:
8.46.11
